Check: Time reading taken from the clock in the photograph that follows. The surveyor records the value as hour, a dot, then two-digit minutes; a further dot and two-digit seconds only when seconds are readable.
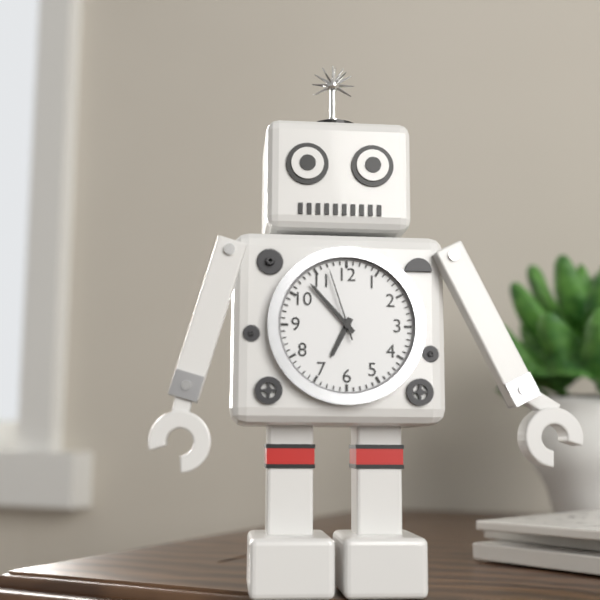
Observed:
6.53.57
